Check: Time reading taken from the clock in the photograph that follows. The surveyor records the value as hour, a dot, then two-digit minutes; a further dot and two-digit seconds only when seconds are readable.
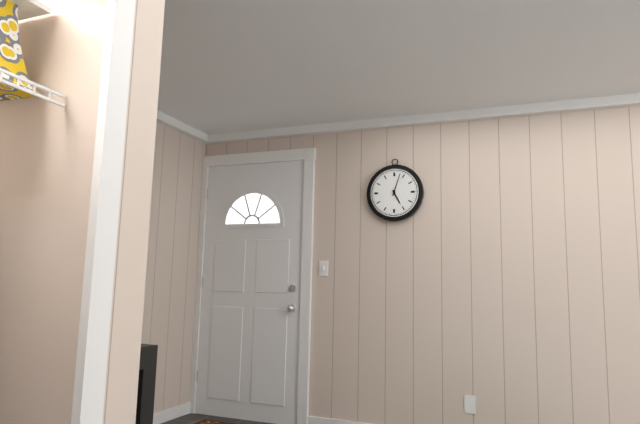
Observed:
5.03
